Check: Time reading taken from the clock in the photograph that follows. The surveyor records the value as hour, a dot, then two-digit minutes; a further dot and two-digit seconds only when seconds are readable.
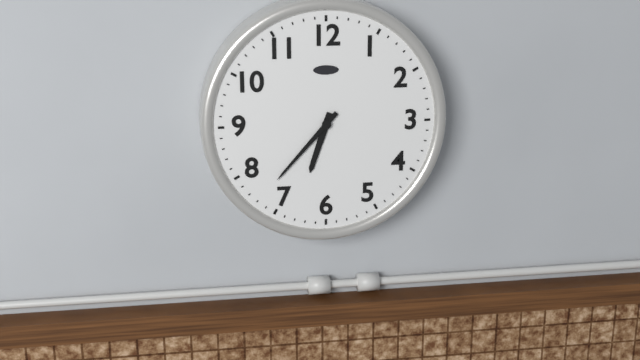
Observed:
6.37
